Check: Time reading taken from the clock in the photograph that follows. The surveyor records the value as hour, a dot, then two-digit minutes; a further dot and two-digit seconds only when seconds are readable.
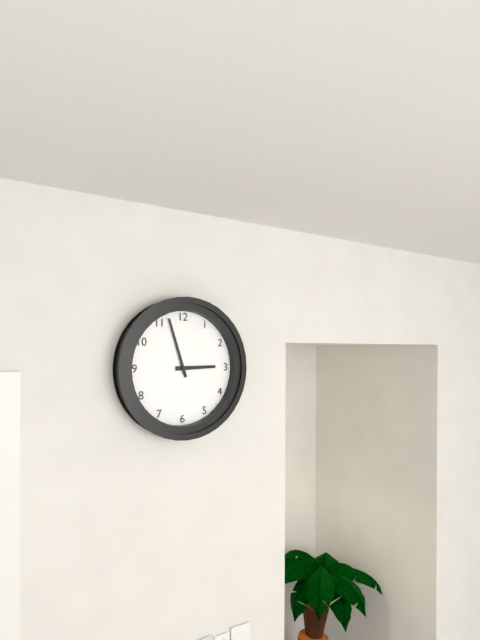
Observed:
2.57
